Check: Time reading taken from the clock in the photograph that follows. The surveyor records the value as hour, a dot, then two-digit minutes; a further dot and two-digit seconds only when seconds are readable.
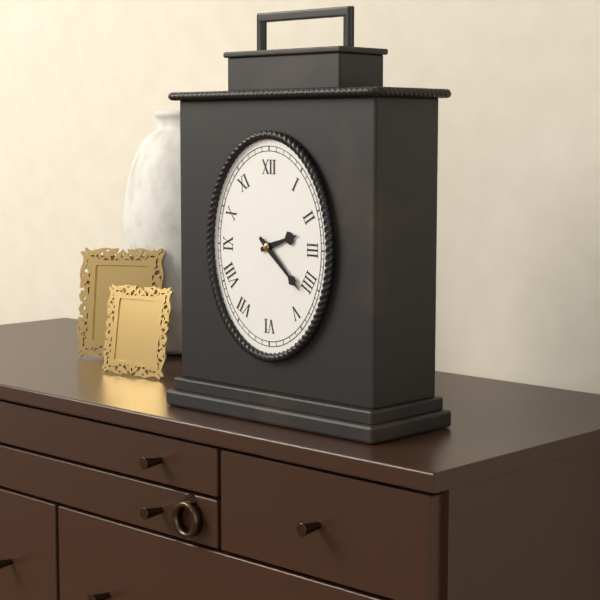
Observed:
2.22
